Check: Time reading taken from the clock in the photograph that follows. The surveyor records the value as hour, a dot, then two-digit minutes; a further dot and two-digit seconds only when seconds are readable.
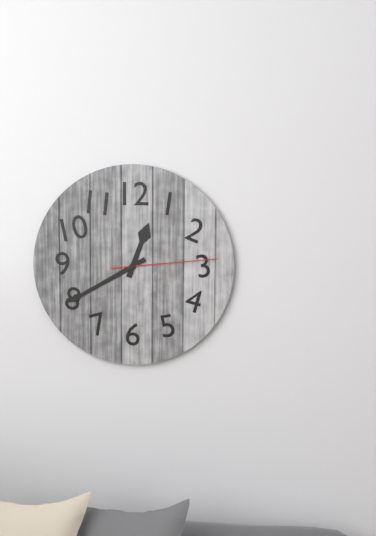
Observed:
12.40.14
